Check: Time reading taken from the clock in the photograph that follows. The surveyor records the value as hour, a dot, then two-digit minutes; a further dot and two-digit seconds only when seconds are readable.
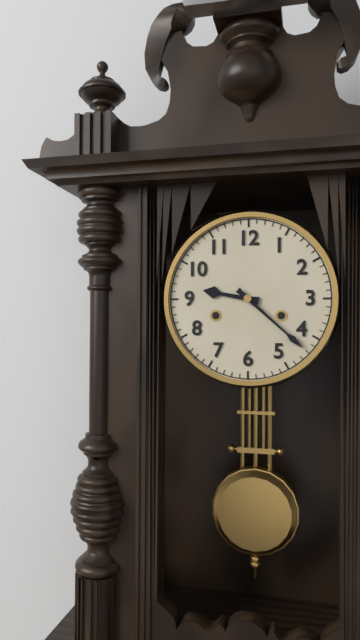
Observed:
9.22
